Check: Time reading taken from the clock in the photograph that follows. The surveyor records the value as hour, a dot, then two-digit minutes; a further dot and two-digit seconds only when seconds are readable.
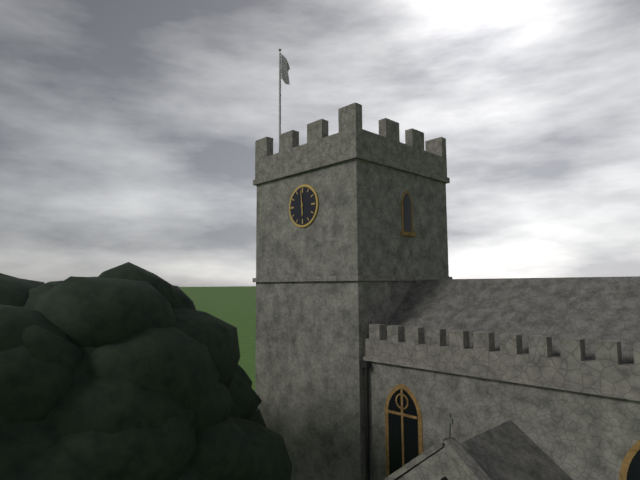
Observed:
5.59
